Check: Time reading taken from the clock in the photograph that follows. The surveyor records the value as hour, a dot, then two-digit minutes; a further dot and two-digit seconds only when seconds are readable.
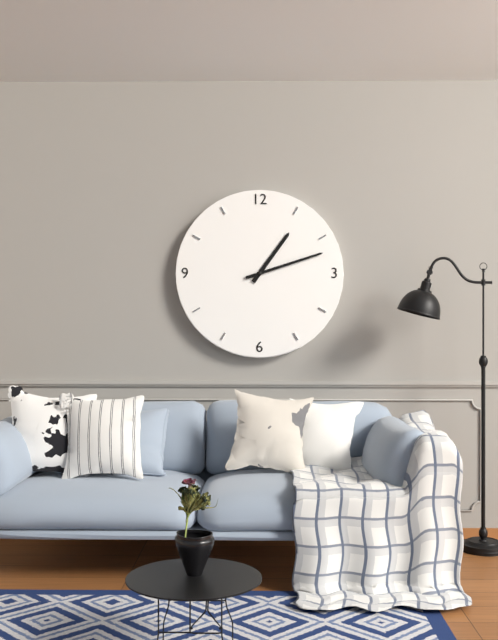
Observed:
1.12
